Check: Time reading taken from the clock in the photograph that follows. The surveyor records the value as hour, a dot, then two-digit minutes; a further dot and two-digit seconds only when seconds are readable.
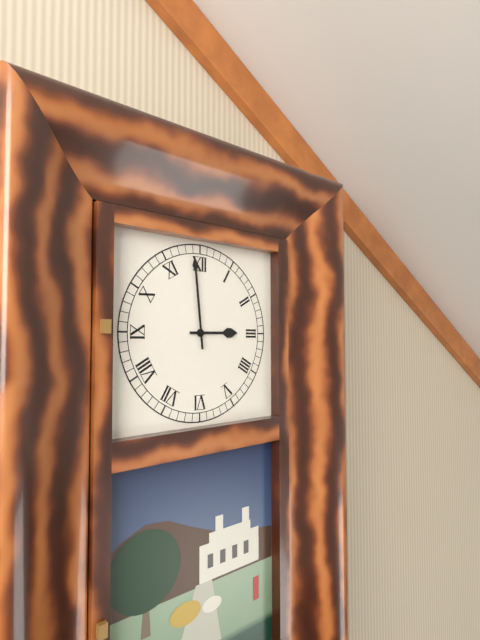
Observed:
2.59
